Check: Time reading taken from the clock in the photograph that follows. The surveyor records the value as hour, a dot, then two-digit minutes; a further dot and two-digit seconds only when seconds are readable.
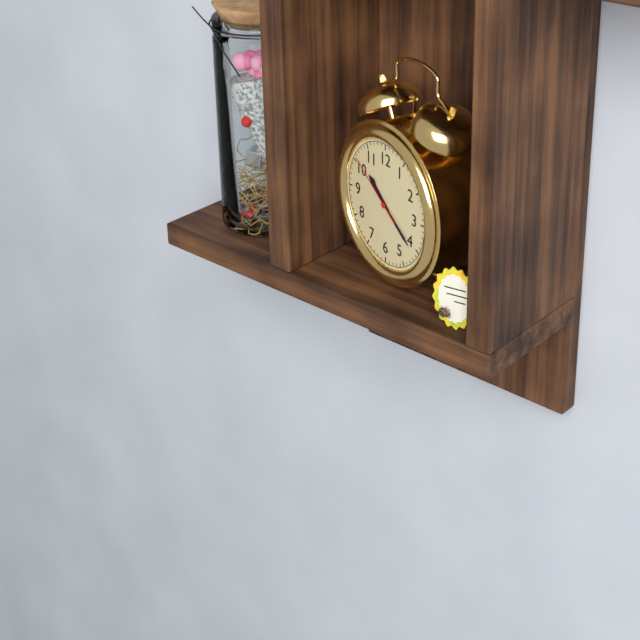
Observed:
10.21.51
